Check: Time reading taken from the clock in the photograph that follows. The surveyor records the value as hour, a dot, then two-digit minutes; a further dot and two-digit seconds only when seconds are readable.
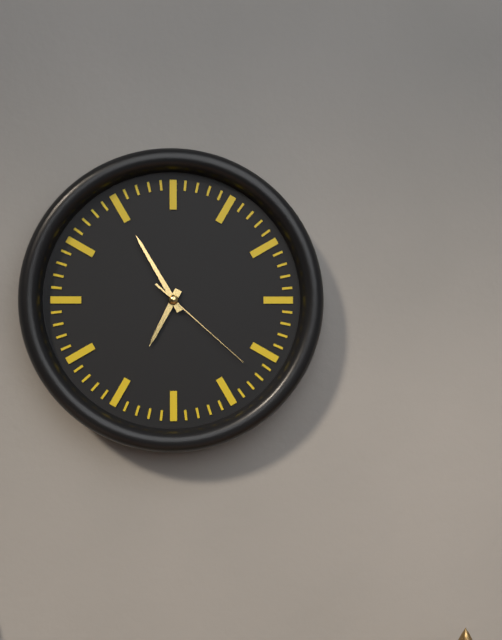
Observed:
6.55.22
